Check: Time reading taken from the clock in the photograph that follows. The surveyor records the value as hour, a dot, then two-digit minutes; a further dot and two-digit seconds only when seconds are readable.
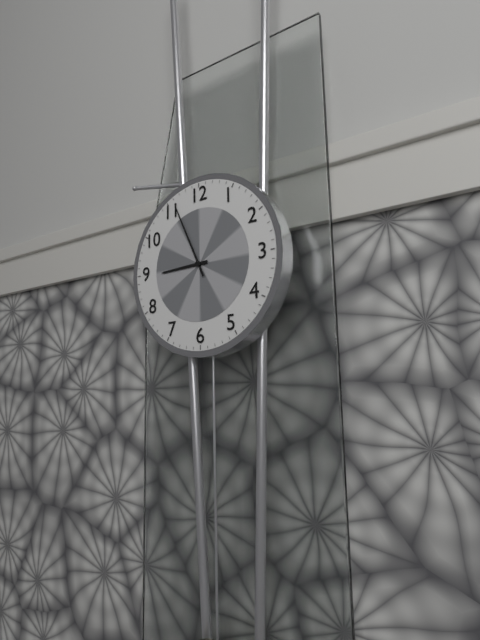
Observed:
8.56
